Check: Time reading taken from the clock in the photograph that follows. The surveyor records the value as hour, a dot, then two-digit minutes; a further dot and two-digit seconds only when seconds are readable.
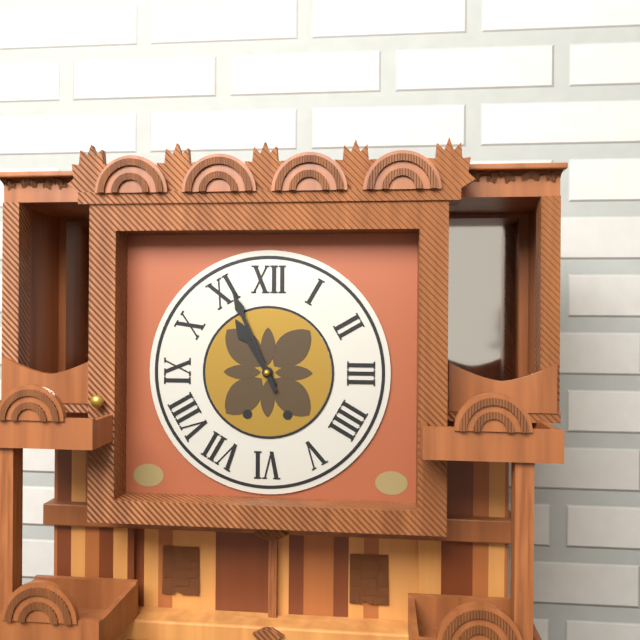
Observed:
10.56
